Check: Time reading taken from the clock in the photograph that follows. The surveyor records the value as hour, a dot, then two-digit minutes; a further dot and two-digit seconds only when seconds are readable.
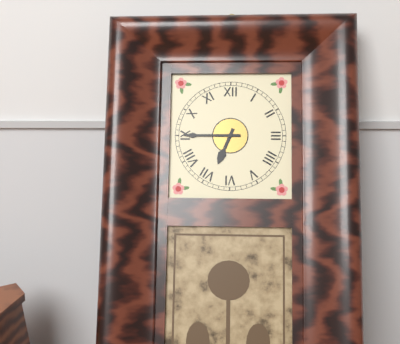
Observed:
6.45
